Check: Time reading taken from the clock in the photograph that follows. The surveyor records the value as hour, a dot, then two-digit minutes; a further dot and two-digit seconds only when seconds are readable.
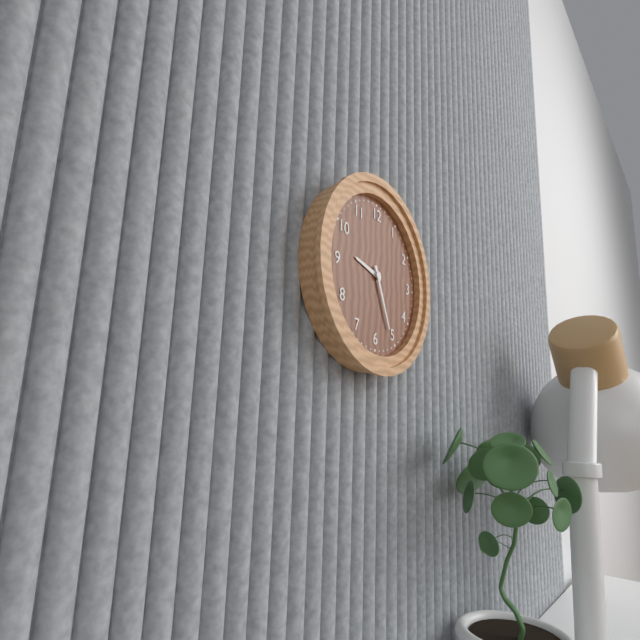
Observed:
9.26
